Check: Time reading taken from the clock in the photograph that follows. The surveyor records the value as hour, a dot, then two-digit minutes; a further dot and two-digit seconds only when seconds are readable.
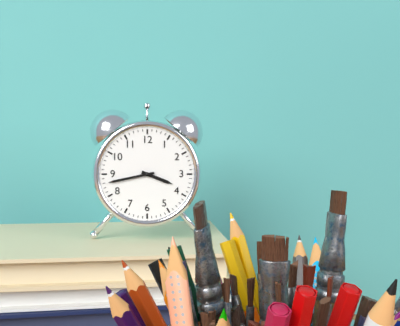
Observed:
3.43
